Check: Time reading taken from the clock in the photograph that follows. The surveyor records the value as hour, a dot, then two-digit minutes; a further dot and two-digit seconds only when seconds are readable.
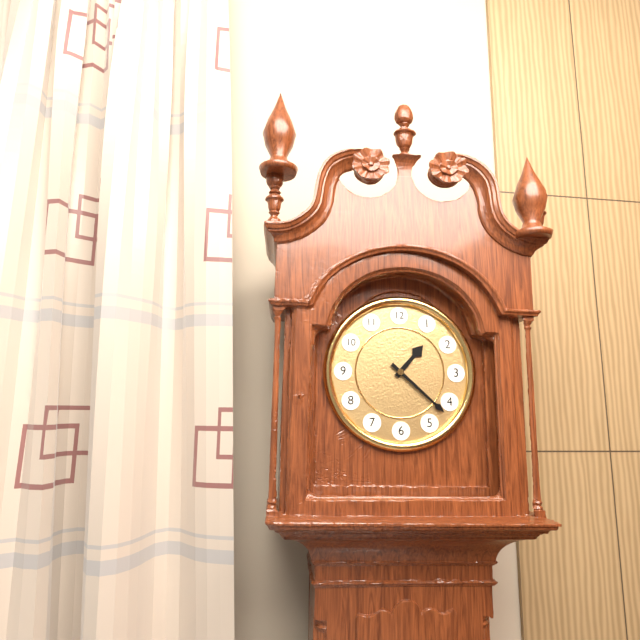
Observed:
1.22
